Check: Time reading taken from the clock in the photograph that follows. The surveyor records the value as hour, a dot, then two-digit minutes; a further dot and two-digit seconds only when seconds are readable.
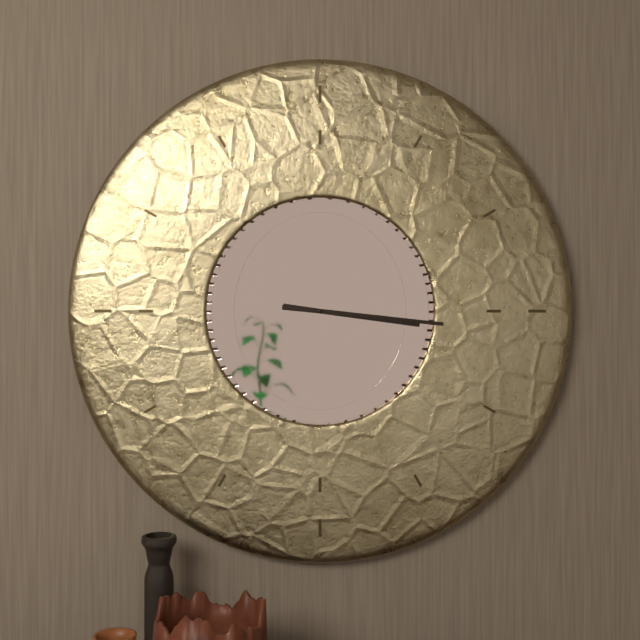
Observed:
3.16
